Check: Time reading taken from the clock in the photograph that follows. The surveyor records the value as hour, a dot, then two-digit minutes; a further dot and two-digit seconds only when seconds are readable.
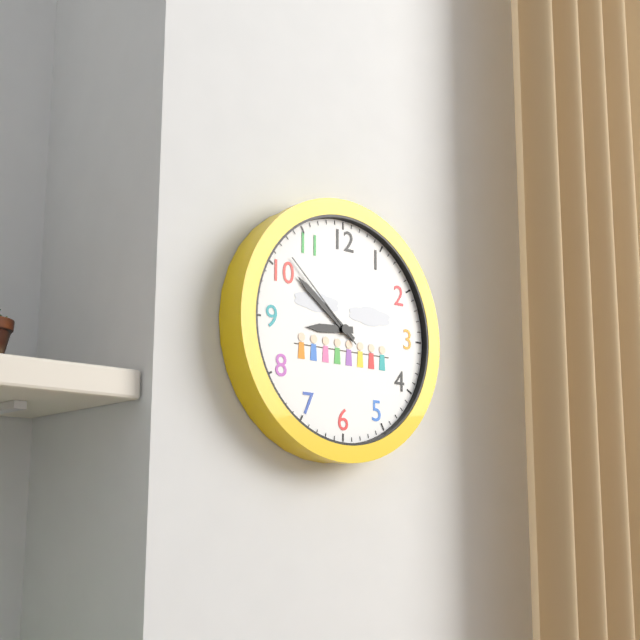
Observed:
8.51.52
